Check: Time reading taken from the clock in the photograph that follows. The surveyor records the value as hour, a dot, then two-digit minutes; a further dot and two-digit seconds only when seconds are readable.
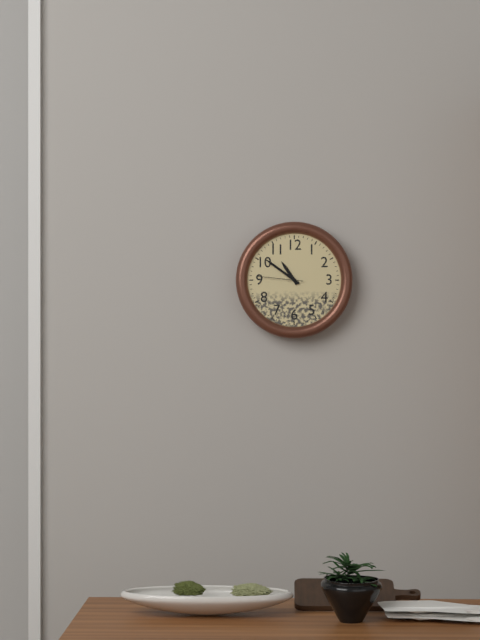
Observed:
10.51
